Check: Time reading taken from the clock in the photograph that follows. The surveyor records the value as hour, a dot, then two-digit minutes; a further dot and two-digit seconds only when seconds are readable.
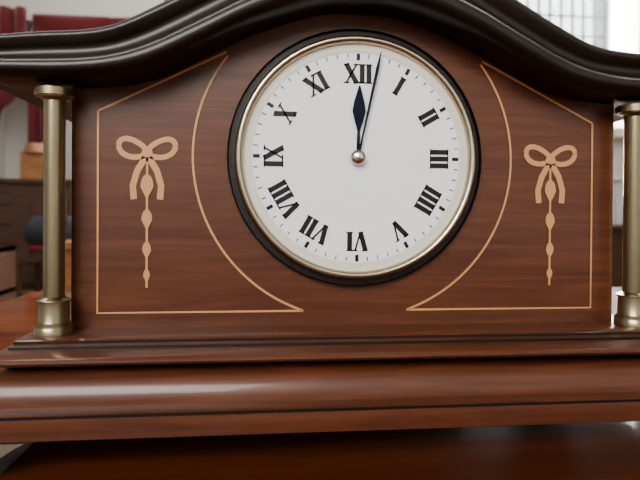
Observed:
12.02
